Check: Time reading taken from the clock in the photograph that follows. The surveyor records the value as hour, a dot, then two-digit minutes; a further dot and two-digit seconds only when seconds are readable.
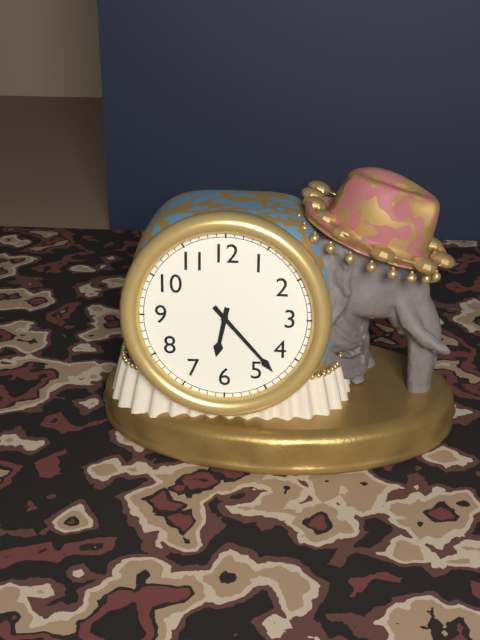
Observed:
6.23
